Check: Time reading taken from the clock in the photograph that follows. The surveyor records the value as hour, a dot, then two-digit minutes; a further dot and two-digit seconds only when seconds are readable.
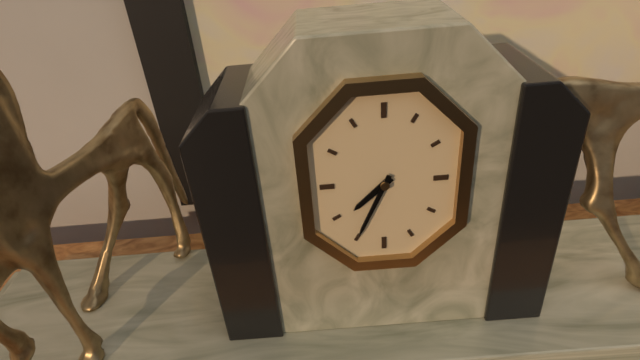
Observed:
7.34
